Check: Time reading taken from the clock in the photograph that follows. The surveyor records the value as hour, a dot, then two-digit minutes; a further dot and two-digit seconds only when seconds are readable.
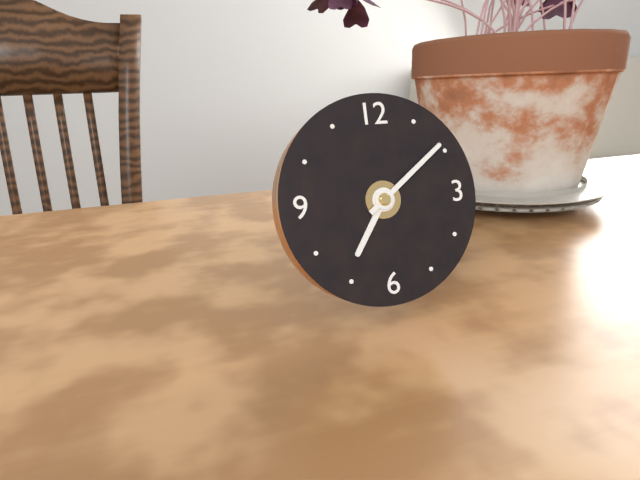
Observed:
7.09
